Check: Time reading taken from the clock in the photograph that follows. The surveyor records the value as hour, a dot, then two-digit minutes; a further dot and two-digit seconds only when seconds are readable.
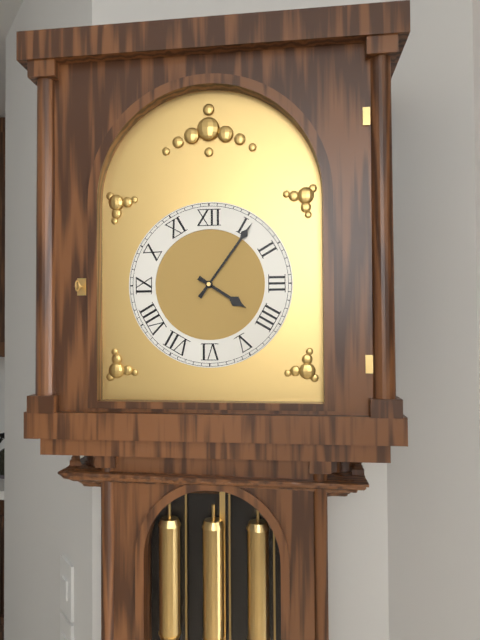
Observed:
4.06
